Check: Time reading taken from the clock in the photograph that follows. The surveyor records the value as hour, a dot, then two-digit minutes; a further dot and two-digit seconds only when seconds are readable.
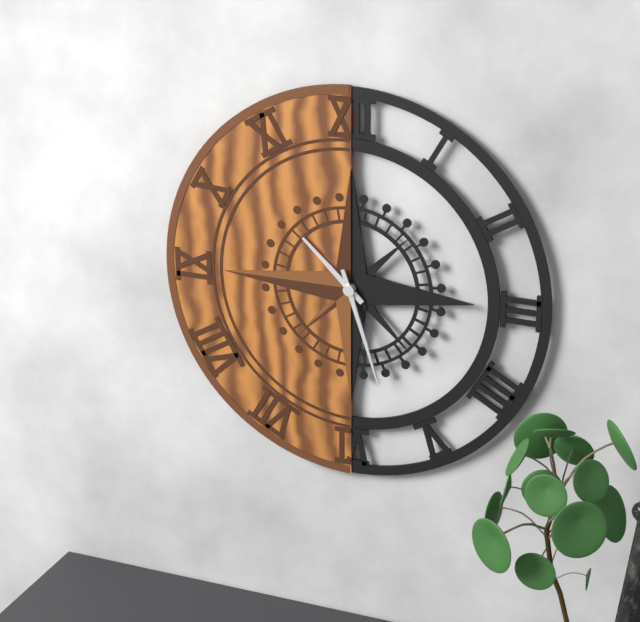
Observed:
10.27
